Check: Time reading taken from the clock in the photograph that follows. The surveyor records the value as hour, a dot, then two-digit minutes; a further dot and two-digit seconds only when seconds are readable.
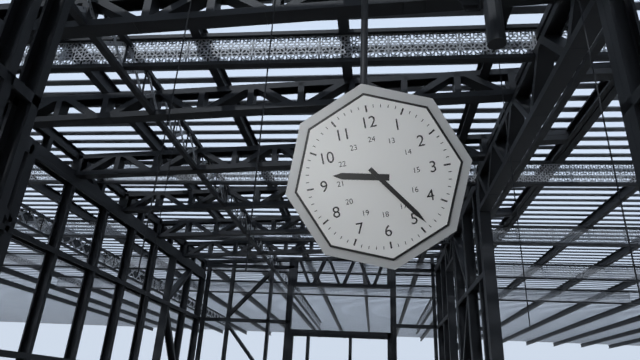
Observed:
9.24
